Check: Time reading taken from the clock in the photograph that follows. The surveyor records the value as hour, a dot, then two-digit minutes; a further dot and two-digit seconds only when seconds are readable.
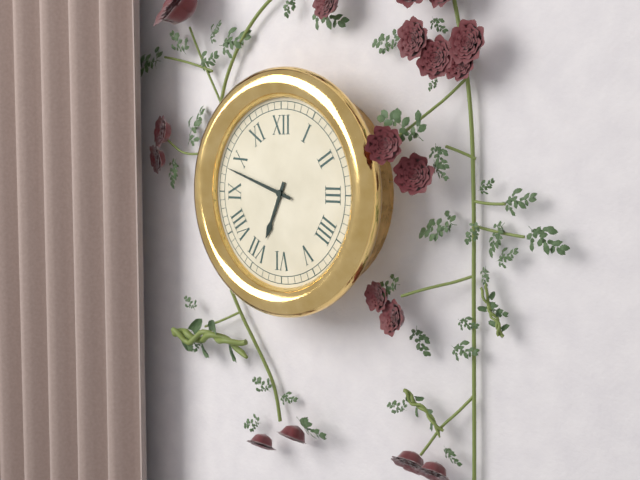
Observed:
6.48
